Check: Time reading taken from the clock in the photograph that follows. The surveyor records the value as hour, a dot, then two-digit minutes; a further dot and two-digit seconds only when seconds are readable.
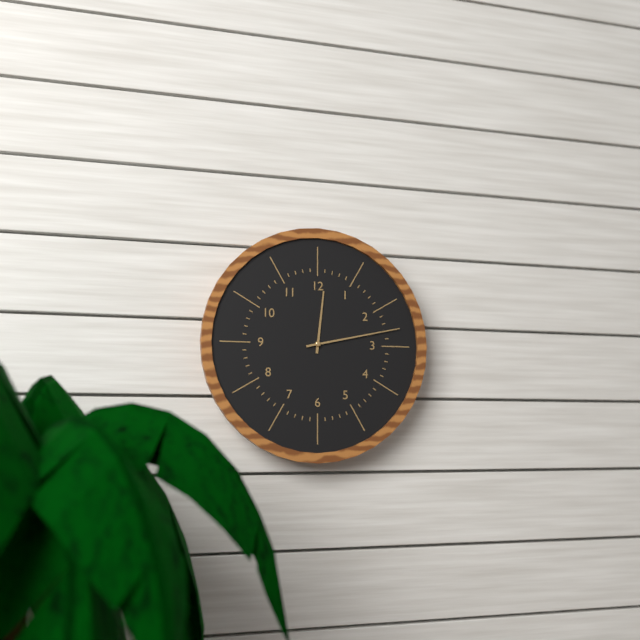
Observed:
12.13
